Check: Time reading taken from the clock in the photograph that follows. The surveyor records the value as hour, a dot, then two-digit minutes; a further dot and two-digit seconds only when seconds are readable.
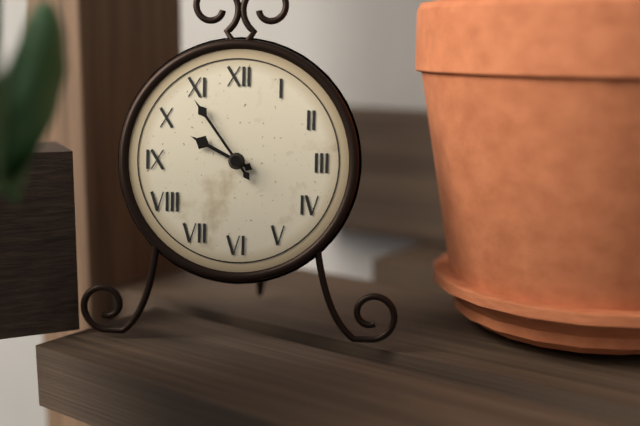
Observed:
9.54
